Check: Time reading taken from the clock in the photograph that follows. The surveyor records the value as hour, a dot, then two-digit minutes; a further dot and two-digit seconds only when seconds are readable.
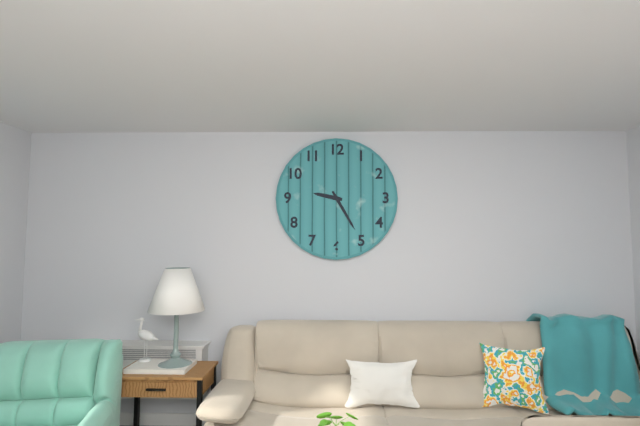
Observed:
9.25
